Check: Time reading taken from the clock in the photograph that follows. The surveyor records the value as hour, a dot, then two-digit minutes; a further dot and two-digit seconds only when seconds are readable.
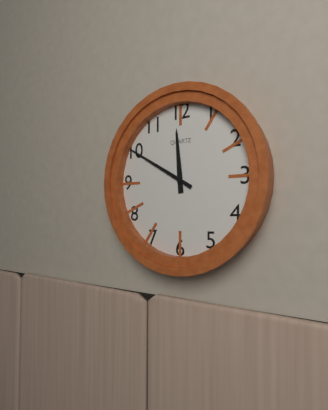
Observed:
11.50
